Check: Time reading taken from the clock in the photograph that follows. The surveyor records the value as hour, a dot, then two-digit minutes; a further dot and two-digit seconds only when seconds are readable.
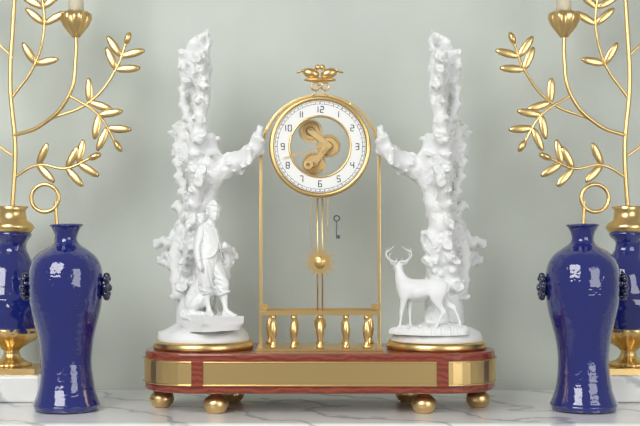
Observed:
5.42
